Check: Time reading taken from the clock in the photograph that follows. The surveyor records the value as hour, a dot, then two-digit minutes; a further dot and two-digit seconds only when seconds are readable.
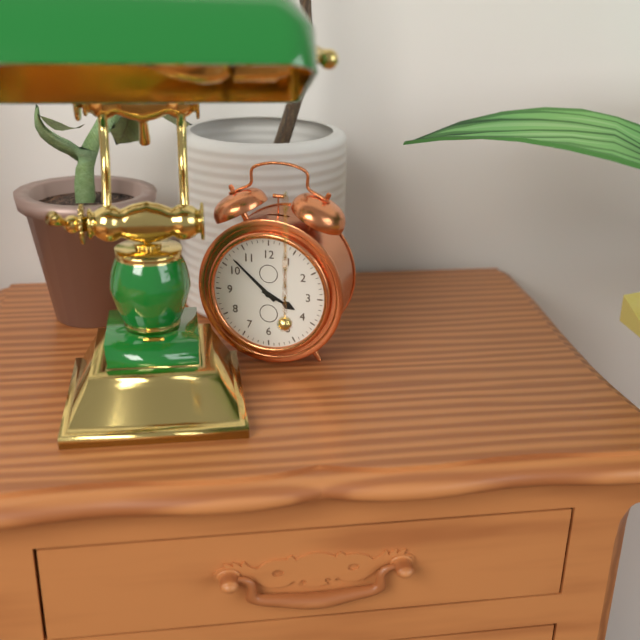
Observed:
3.52
